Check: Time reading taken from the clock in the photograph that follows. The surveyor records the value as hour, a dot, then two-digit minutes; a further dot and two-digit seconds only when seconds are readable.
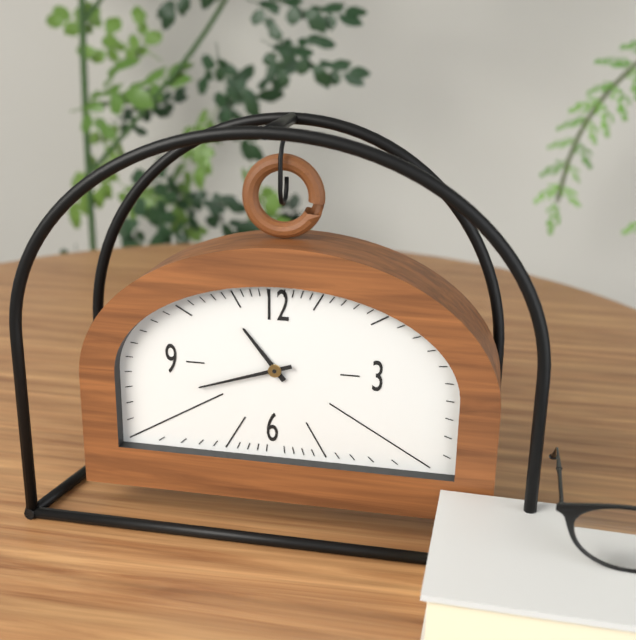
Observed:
10.42
